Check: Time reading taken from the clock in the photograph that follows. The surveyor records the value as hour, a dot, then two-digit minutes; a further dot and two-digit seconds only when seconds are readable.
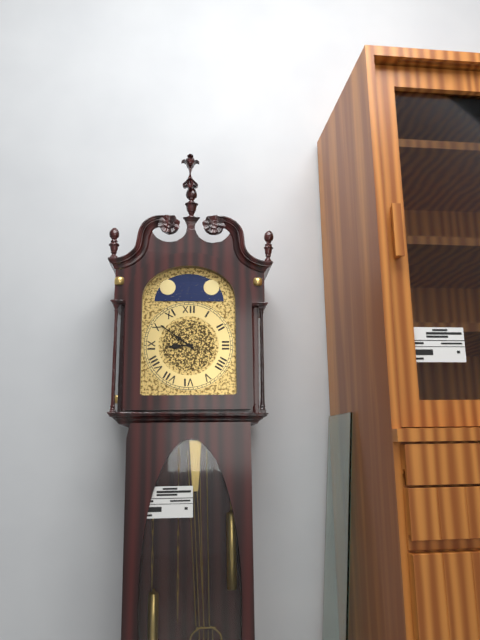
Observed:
8.51
